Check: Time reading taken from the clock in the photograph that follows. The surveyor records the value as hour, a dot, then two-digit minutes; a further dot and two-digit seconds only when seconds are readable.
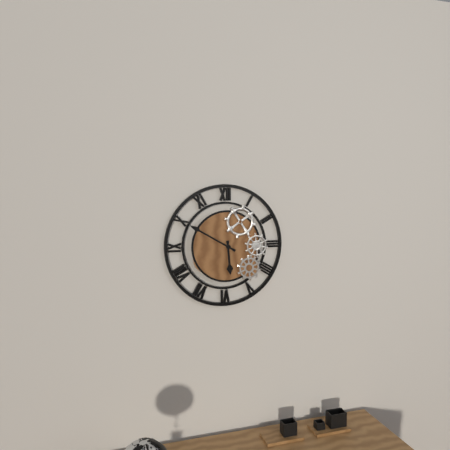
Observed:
5.50
